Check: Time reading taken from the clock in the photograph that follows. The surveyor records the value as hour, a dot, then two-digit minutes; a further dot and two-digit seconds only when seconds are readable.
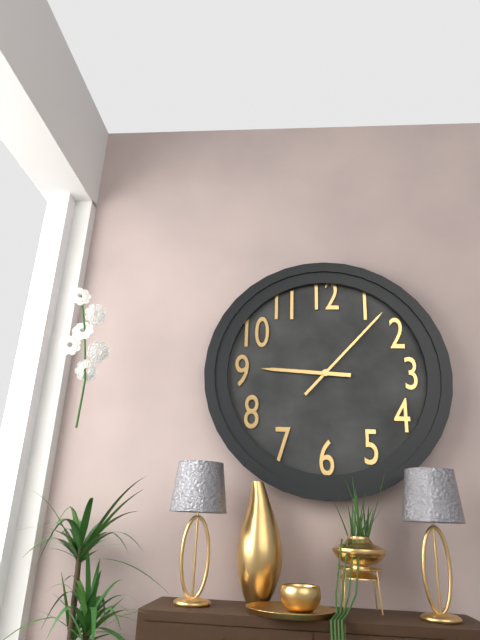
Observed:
9.07
